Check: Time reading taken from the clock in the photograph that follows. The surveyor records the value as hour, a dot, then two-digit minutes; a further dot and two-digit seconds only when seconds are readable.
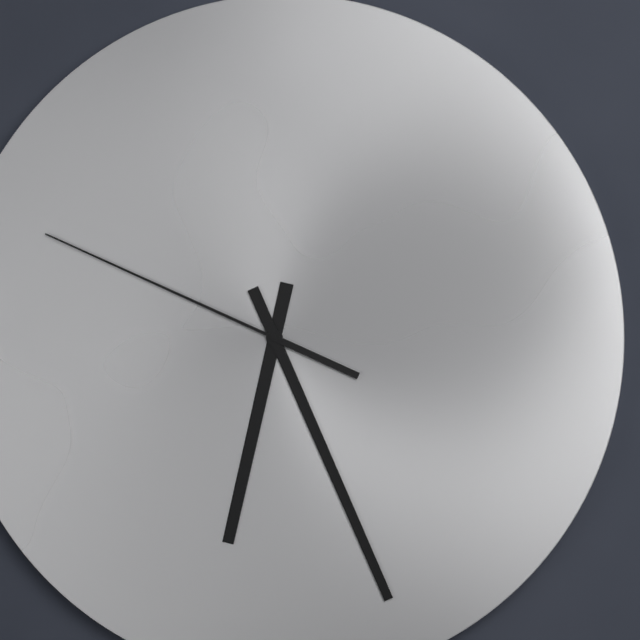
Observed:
6.26.49
